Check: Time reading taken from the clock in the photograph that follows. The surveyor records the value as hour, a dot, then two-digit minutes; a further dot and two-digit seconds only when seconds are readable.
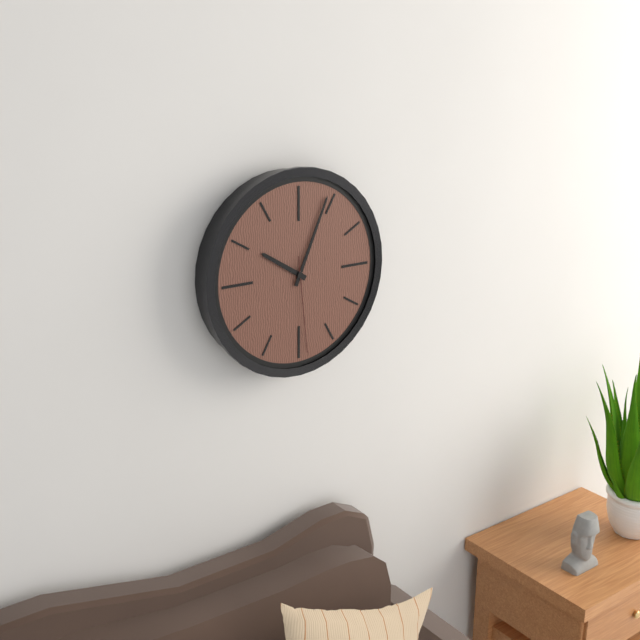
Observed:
10.04.29
